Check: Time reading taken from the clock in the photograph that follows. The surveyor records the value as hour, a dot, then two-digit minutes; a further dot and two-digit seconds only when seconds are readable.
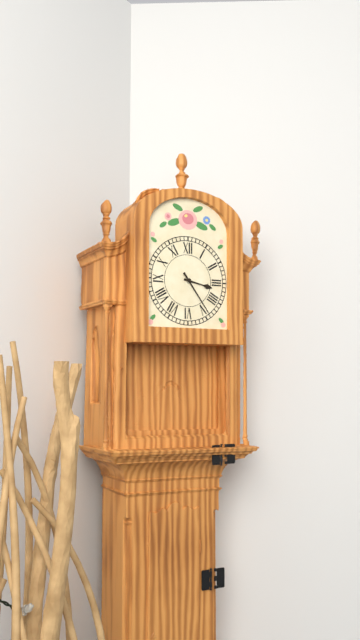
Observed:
3.24
